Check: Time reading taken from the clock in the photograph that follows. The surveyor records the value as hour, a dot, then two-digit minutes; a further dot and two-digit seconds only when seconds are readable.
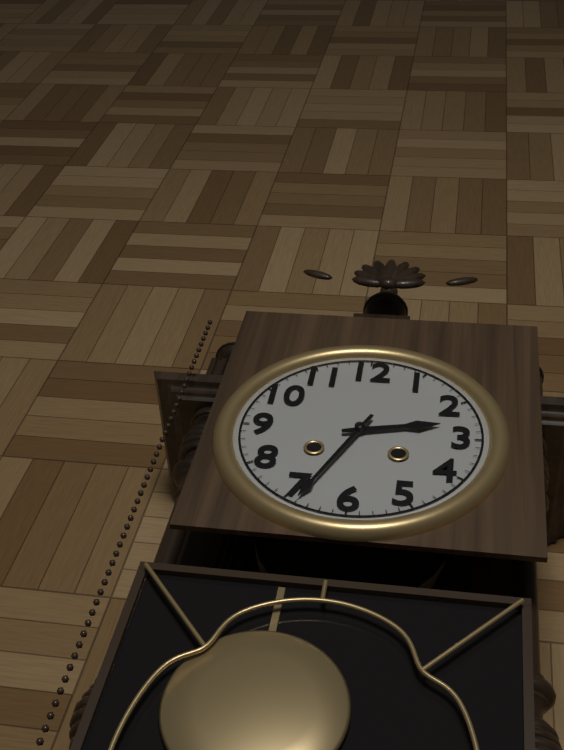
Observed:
2.34
